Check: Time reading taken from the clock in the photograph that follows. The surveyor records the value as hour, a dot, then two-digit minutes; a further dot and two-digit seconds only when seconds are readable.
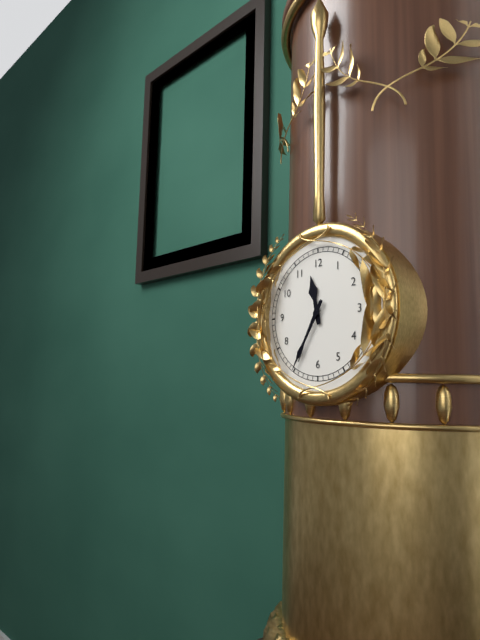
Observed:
11.35
